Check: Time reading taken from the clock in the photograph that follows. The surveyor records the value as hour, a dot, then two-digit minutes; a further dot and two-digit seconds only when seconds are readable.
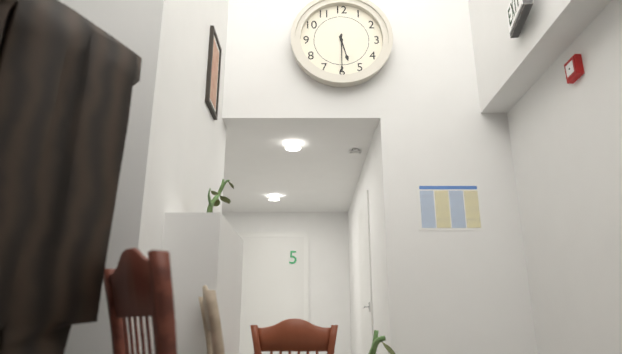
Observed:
5.30
